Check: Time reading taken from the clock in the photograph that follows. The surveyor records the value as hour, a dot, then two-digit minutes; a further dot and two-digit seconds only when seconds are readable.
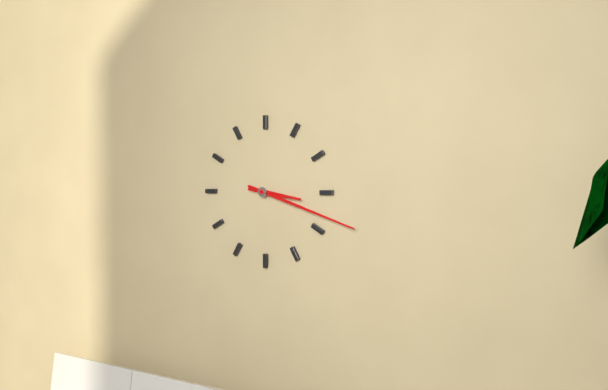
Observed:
3.18
